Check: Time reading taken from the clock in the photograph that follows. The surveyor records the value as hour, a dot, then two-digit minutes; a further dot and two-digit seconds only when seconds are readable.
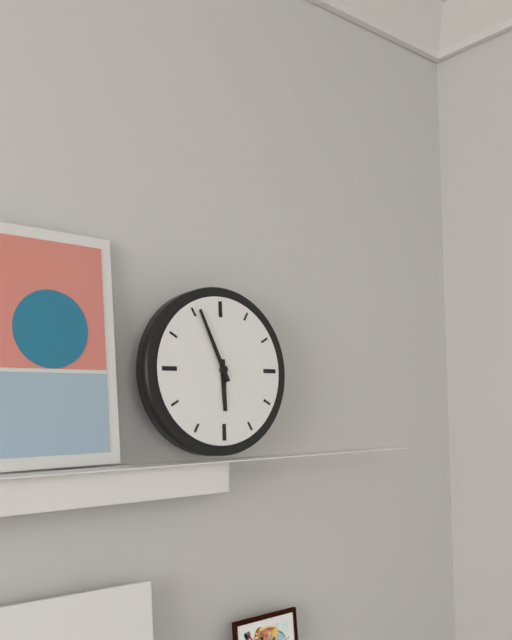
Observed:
5.56
